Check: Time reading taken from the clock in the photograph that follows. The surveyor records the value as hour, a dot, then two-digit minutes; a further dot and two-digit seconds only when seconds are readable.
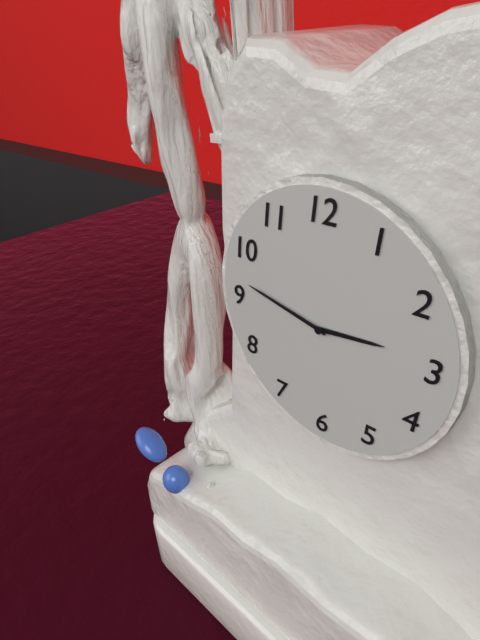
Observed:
2.47
